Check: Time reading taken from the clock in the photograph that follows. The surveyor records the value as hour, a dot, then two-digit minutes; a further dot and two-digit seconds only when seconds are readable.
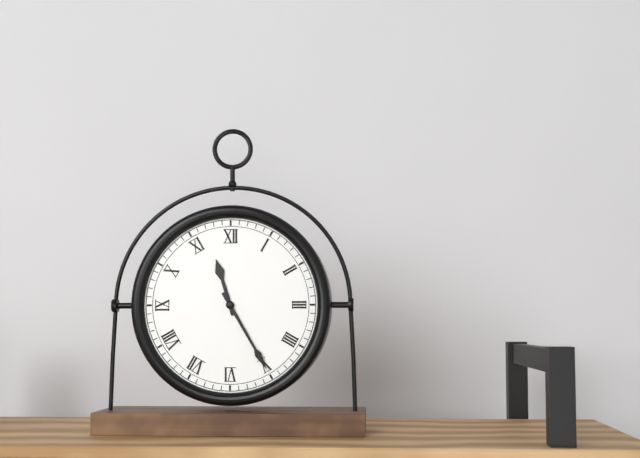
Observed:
11.25
